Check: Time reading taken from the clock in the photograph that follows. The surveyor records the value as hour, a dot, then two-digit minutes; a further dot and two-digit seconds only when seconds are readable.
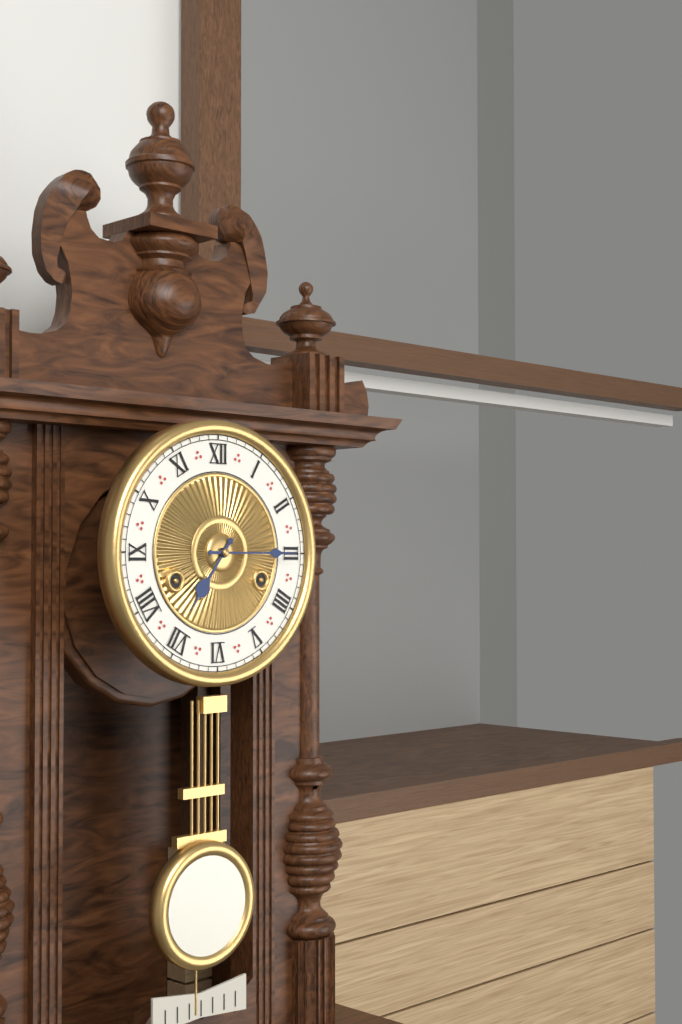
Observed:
7.15
